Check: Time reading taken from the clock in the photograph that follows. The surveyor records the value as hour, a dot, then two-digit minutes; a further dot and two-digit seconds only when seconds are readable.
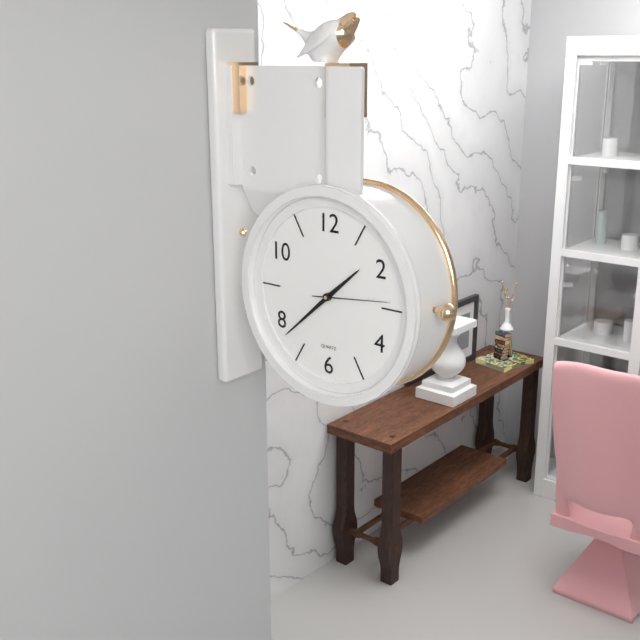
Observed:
1.38.14
